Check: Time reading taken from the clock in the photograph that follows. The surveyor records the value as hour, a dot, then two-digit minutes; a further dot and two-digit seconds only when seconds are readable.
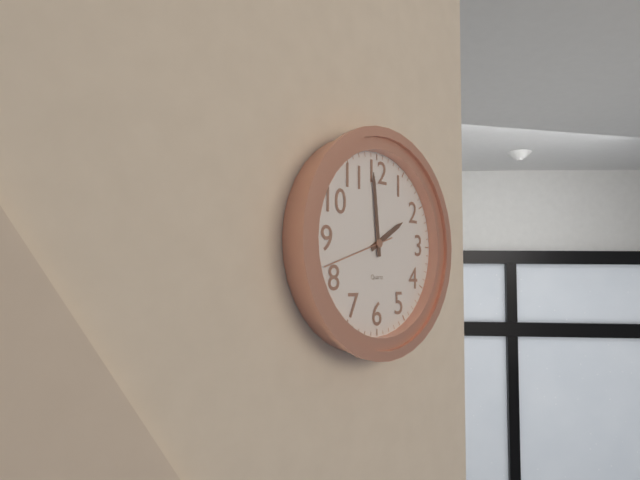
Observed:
1.59.42
